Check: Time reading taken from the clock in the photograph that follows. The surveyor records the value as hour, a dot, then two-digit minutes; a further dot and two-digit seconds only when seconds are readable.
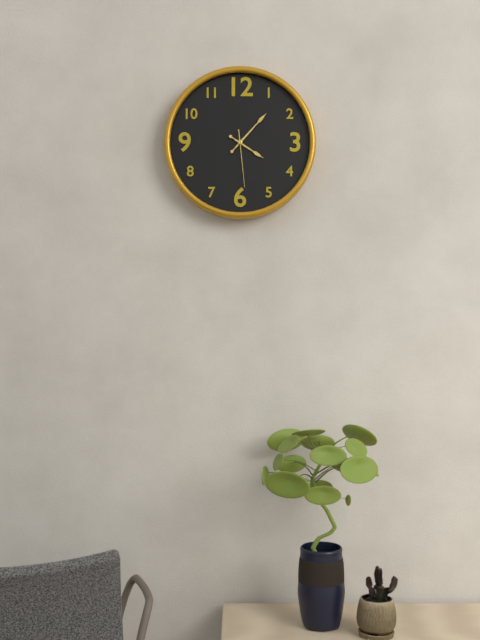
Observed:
4.07.29
